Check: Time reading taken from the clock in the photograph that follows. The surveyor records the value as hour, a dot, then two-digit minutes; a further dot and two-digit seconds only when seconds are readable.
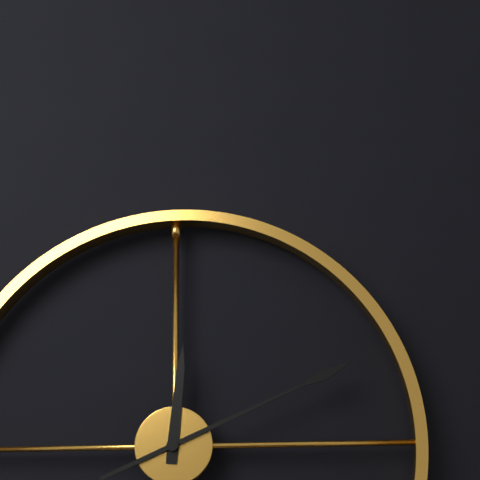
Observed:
12.11
